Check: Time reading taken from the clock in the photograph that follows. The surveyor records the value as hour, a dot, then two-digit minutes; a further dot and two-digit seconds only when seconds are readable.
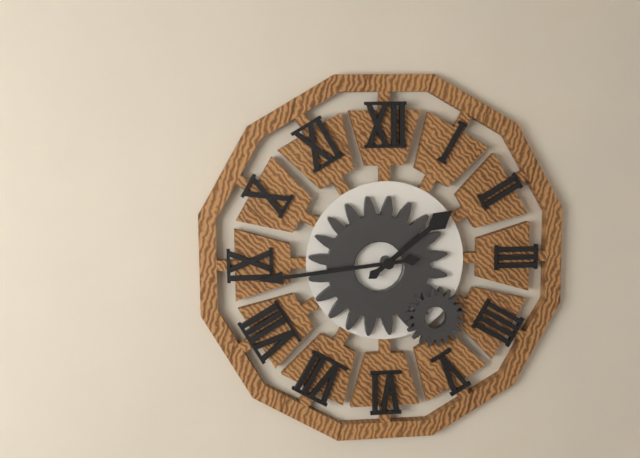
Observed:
1.44
